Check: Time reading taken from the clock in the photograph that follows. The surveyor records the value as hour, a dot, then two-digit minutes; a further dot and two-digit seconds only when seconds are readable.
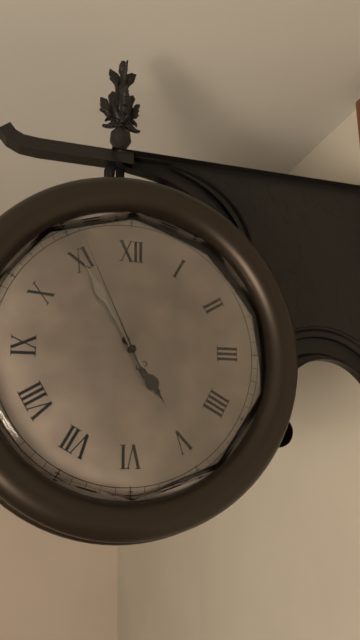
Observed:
4.55.56
